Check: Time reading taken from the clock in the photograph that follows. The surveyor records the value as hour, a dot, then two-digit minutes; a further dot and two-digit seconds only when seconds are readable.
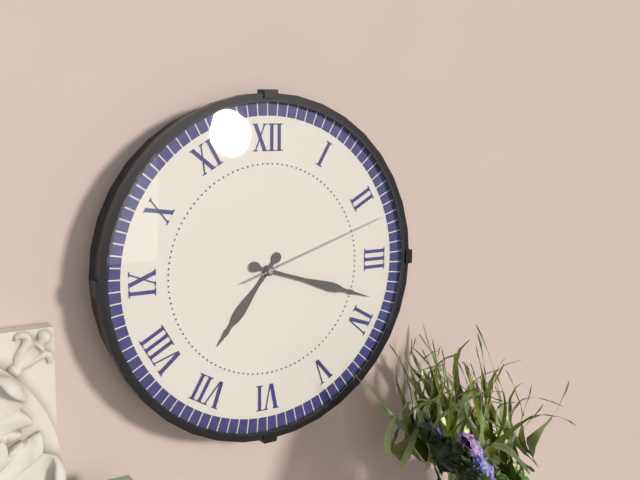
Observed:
7.18.12
